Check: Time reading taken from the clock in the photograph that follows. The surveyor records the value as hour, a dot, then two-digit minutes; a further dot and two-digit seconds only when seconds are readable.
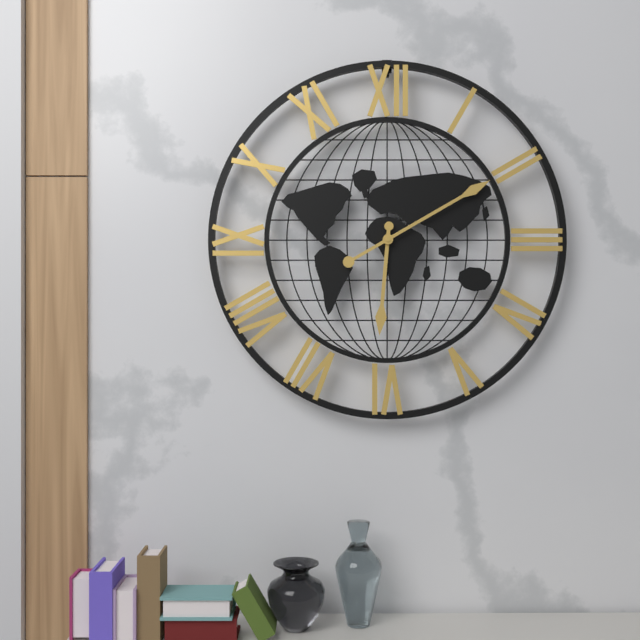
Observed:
6.10
